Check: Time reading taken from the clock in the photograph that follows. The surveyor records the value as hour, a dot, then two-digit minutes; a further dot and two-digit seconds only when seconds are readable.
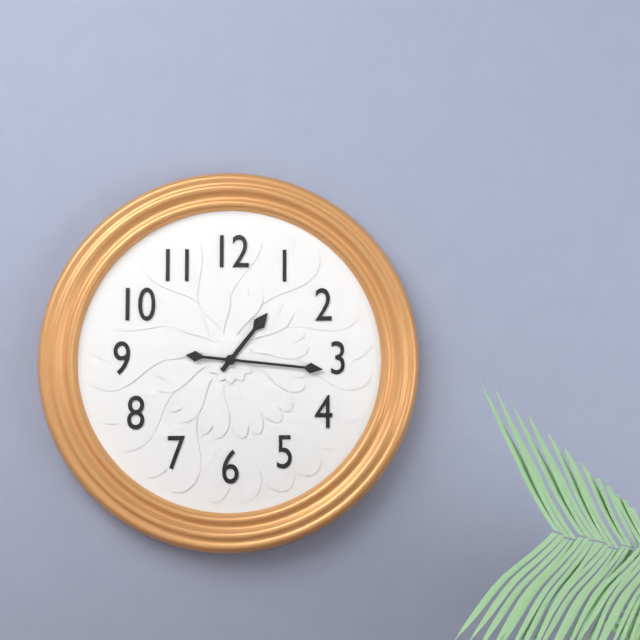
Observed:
1.16
